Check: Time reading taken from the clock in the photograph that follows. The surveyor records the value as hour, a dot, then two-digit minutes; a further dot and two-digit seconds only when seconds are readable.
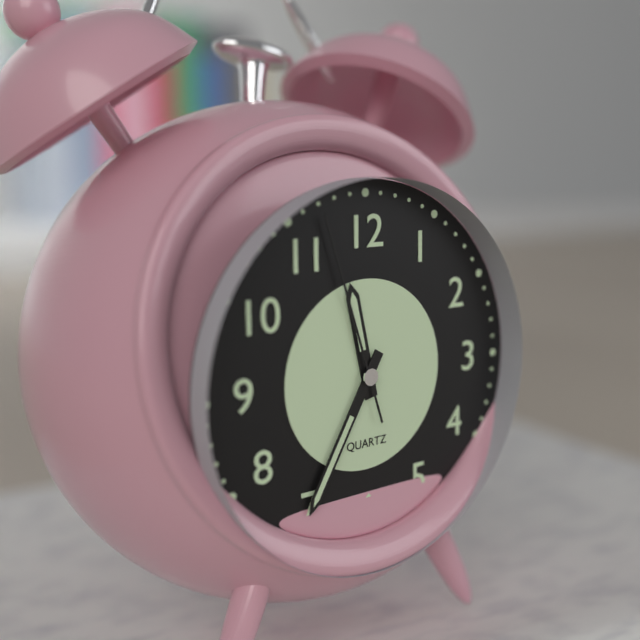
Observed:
11.35.57
